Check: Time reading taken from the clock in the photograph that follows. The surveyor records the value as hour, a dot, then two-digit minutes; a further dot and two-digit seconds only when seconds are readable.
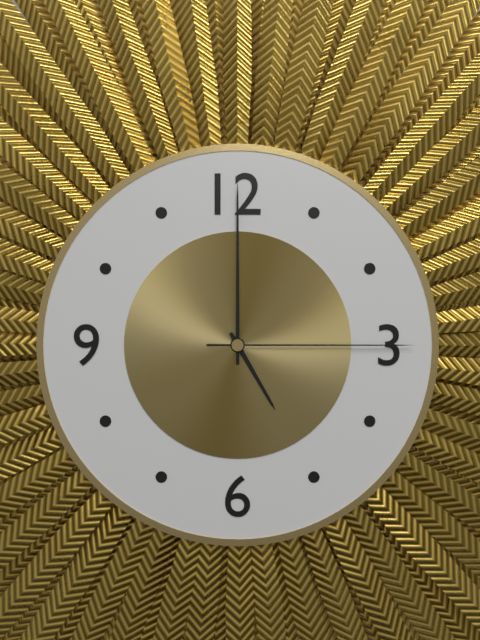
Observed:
5.00.15
